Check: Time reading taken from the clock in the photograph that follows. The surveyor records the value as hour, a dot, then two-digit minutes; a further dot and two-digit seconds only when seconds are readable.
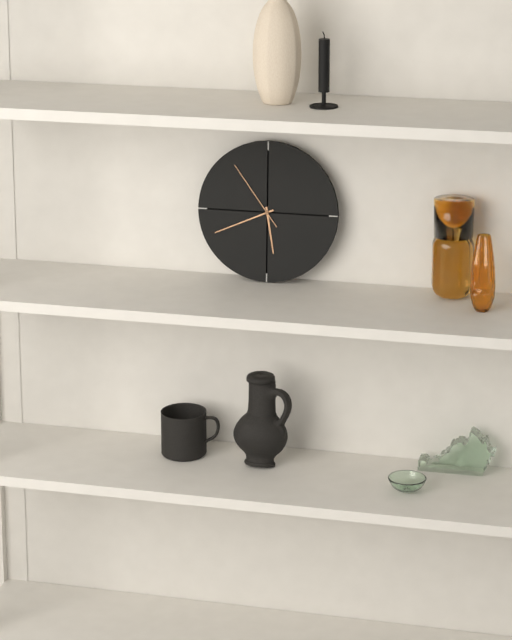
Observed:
5.41.54
